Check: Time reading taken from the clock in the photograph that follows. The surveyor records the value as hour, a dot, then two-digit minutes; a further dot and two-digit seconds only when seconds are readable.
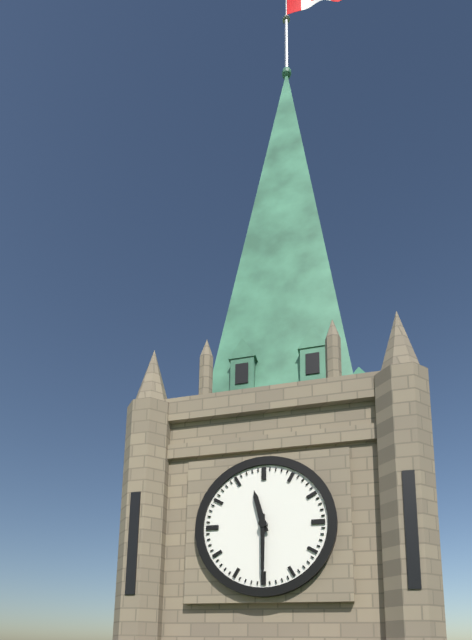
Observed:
11.30
